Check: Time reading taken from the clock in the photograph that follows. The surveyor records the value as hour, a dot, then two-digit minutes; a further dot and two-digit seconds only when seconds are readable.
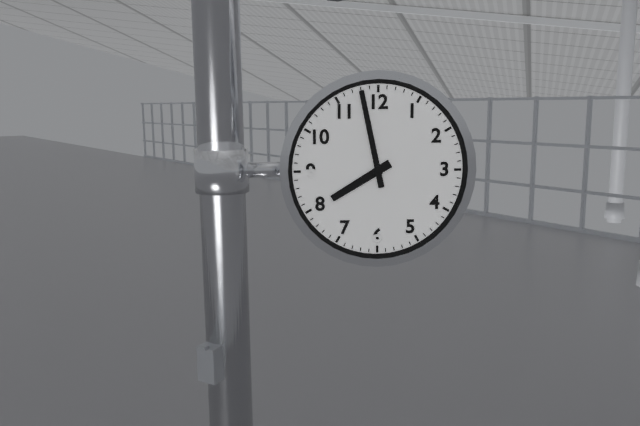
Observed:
7.58
